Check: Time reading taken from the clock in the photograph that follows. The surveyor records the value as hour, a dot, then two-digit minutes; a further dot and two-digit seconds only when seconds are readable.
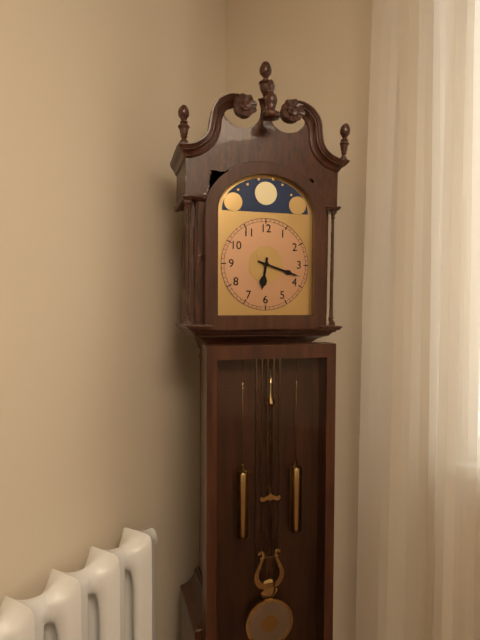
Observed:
6.18
